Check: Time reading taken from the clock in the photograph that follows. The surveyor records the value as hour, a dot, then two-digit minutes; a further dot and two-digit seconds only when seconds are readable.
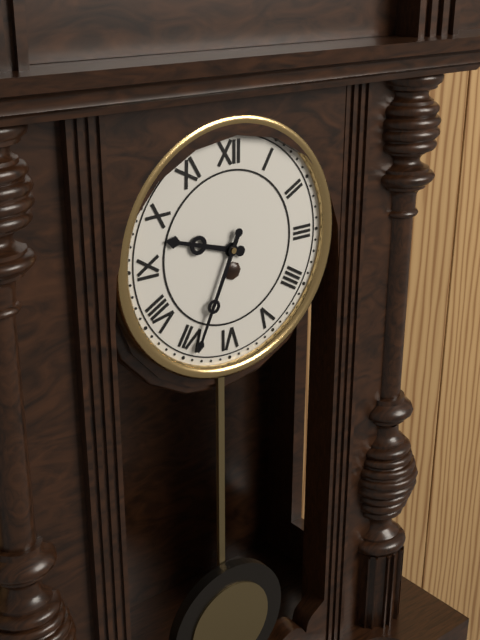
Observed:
9.34
